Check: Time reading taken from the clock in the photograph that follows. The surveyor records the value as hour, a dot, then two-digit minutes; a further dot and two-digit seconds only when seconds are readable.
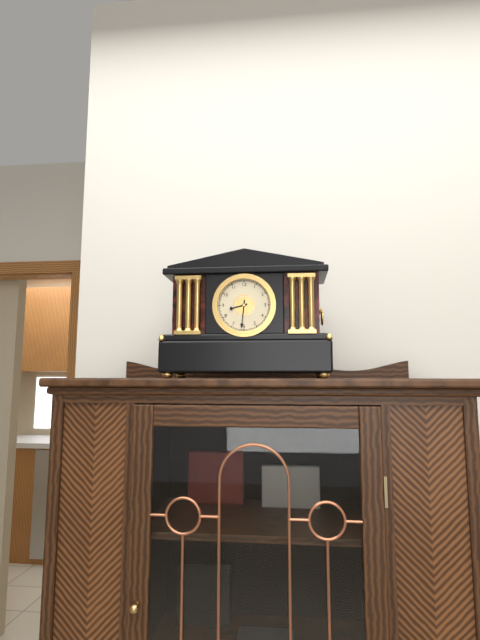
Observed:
8.31
